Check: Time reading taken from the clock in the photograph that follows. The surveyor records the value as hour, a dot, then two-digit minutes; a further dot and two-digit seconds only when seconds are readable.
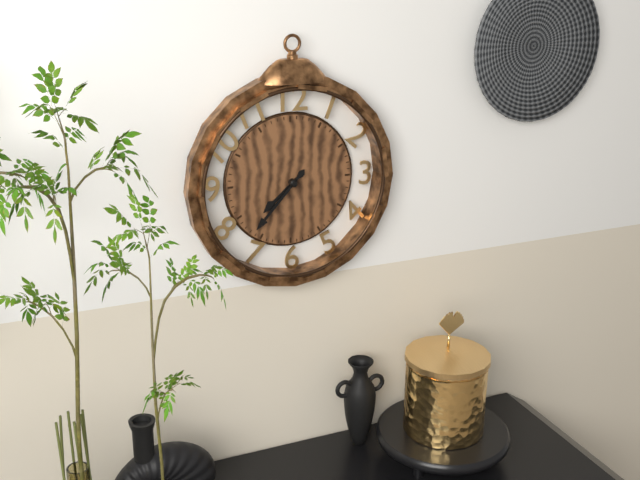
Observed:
7.37
